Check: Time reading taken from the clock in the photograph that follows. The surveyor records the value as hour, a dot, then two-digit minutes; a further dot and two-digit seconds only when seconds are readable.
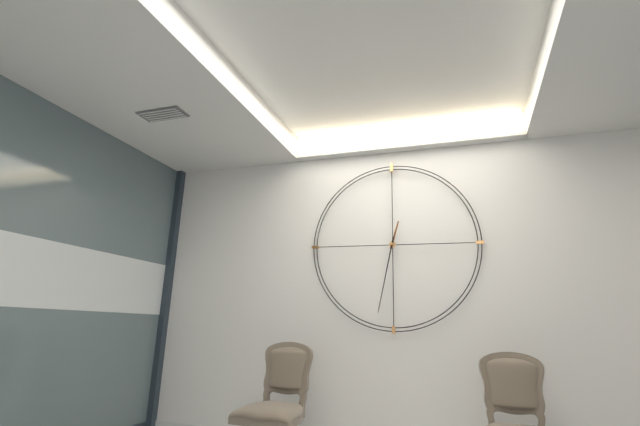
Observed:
12.32
